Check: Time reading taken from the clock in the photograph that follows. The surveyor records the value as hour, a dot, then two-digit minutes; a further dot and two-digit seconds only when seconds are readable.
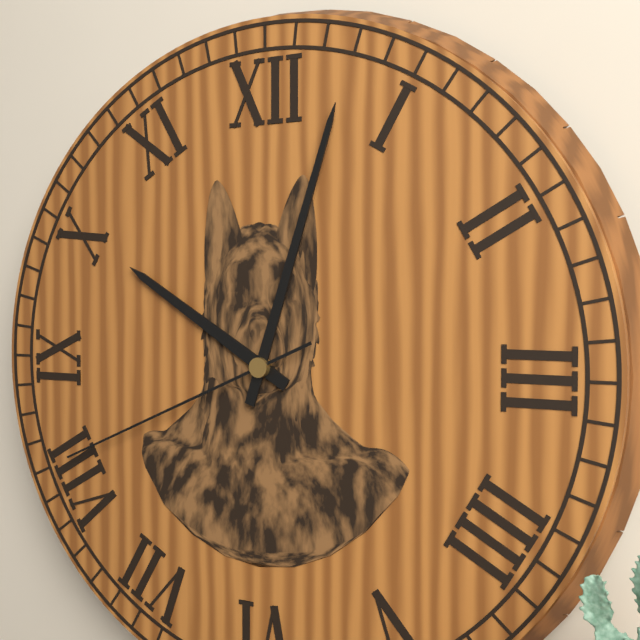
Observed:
10.03.41
